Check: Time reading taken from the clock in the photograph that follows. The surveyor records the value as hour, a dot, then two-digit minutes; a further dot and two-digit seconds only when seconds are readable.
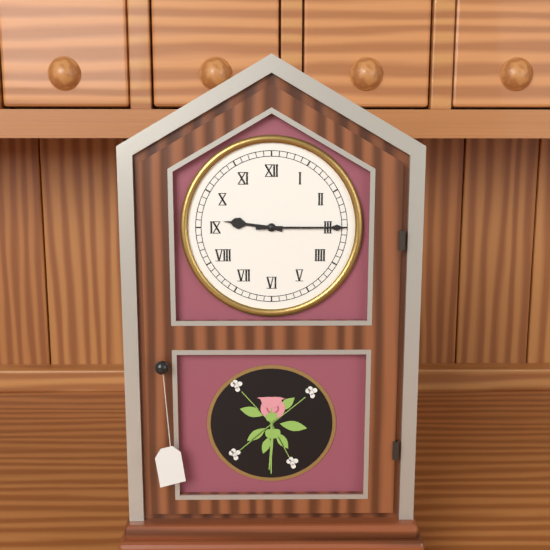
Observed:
9.15
